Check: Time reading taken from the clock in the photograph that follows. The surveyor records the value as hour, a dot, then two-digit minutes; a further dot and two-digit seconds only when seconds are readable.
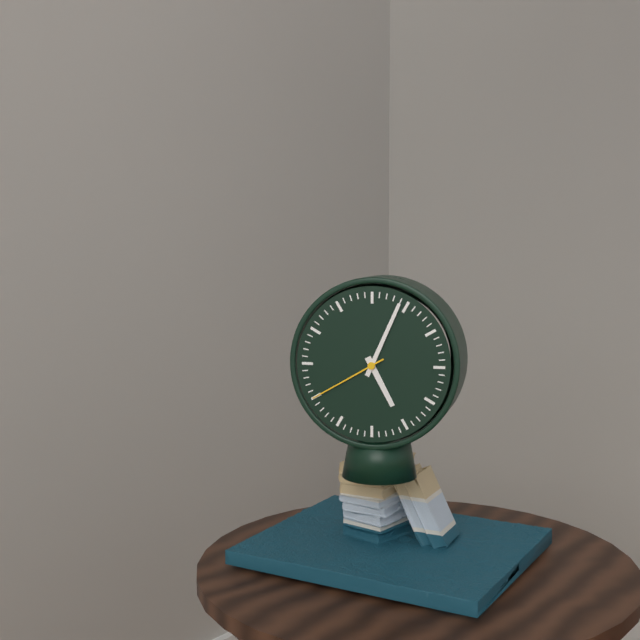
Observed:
5.04.40
